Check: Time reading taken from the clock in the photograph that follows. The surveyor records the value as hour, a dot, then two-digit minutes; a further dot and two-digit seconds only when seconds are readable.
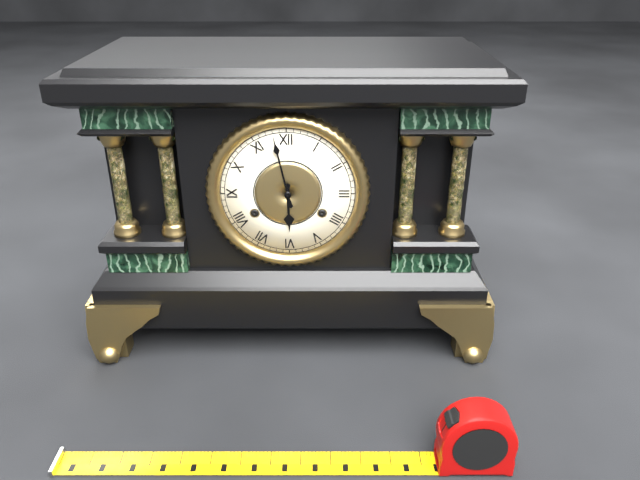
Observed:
5.58
